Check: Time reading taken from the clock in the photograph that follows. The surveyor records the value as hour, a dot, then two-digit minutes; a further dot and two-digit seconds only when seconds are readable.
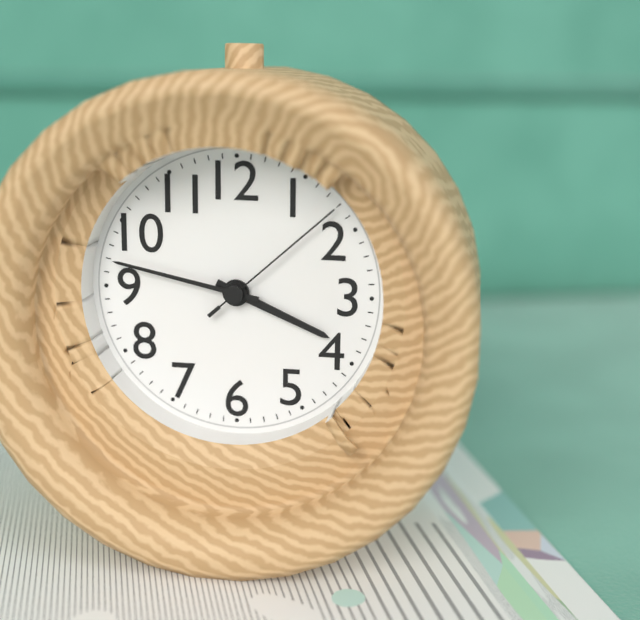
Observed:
3.47.08
